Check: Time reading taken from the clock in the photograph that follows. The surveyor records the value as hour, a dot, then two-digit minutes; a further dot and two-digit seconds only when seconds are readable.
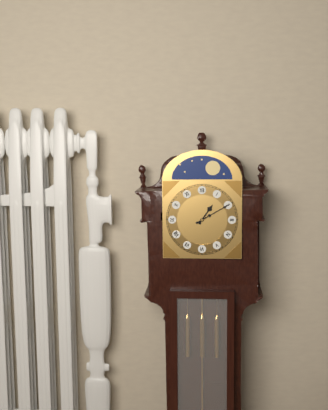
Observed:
1.10
